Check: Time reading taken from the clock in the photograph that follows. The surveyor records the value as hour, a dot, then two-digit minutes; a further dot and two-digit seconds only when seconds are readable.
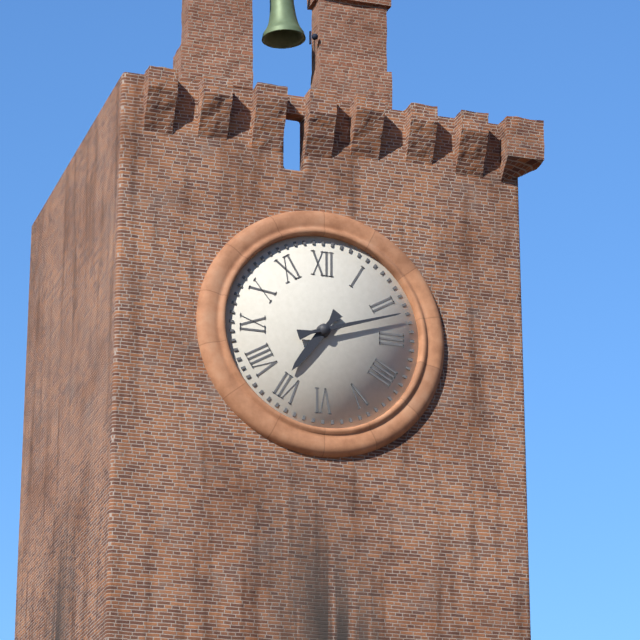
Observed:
7.12
